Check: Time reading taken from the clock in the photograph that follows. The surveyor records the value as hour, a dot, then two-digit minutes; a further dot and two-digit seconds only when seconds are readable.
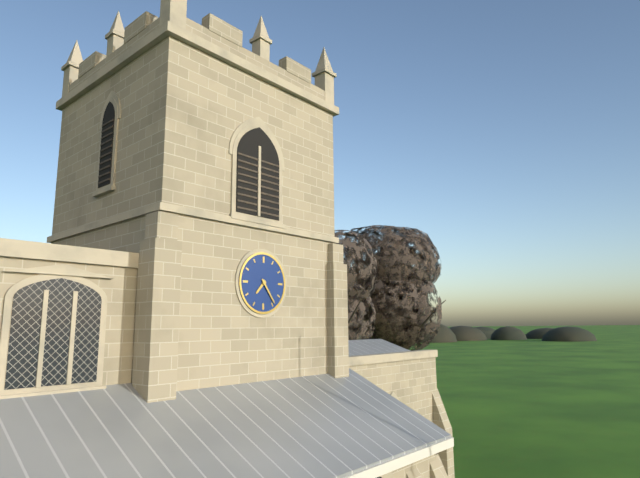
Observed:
7.24
